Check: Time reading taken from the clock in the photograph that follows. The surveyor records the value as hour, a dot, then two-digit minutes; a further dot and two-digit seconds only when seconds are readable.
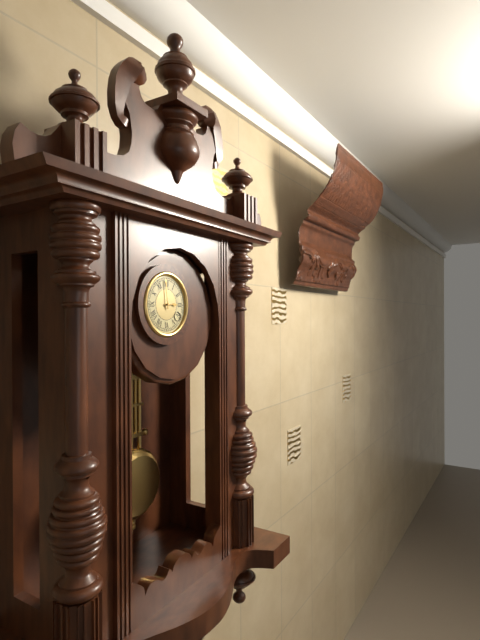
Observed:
2.59
